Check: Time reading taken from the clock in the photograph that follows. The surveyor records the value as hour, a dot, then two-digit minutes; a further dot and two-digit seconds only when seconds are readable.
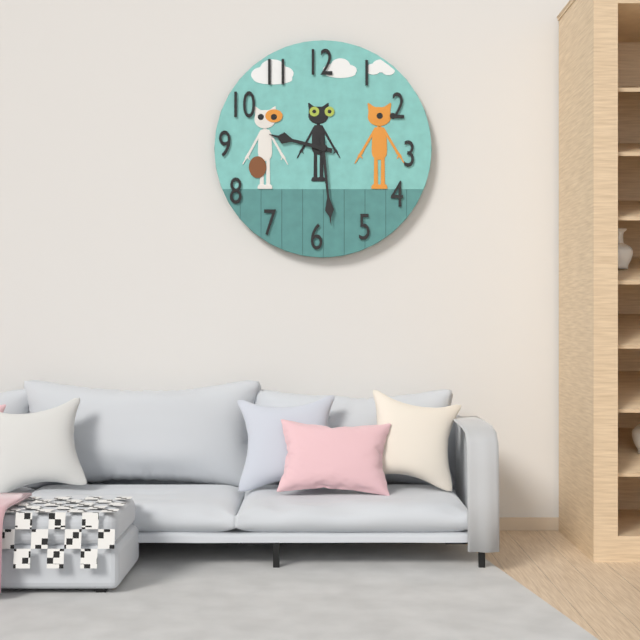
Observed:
9.29
